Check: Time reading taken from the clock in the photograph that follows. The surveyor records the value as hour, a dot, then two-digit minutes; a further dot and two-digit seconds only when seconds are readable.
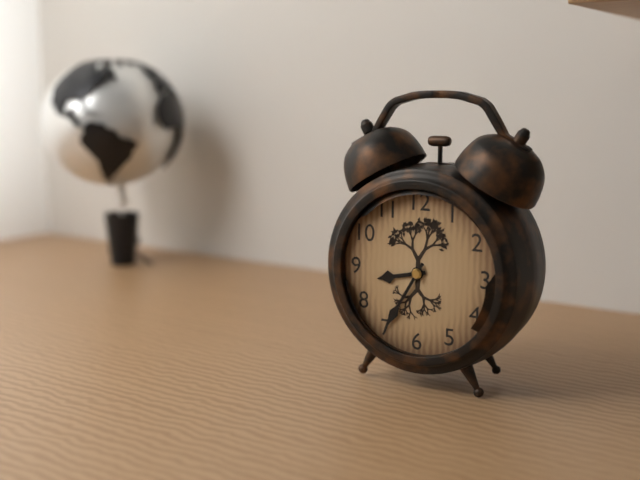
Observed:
8.35
